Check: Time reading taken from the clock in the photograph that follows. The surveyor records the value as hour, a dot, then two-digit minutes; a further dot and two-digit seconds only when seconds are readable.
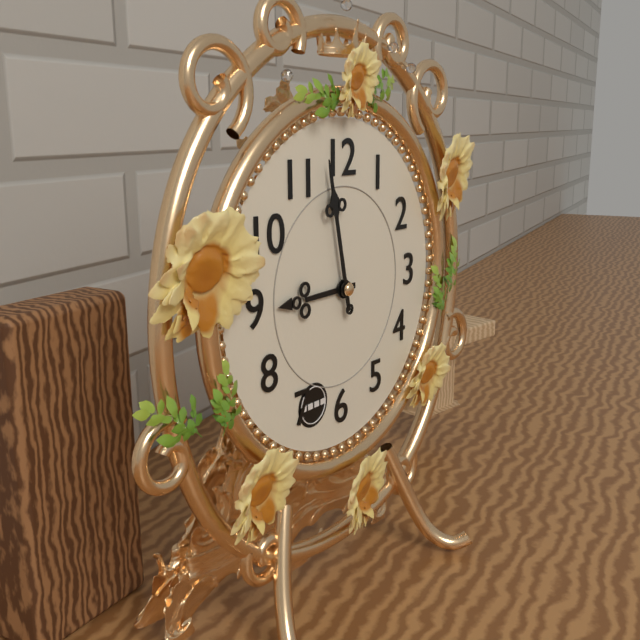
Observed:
8.58
